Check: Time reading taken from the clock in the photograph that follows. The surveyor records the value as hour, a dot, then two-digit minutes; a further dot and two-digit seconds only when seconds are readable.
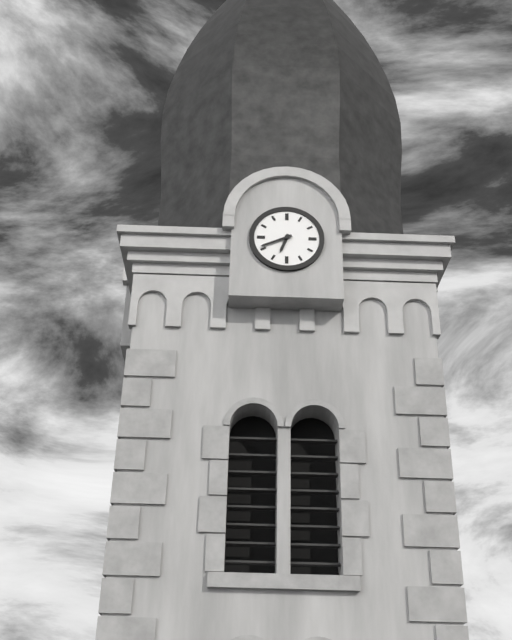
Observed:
6.41
